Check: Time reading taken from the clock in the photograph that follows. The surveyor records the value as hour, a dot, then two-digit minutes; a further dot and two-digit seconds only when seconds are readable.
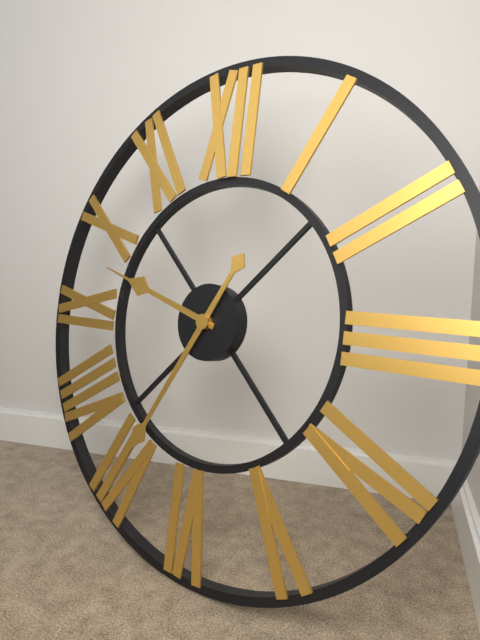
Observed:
9.35
